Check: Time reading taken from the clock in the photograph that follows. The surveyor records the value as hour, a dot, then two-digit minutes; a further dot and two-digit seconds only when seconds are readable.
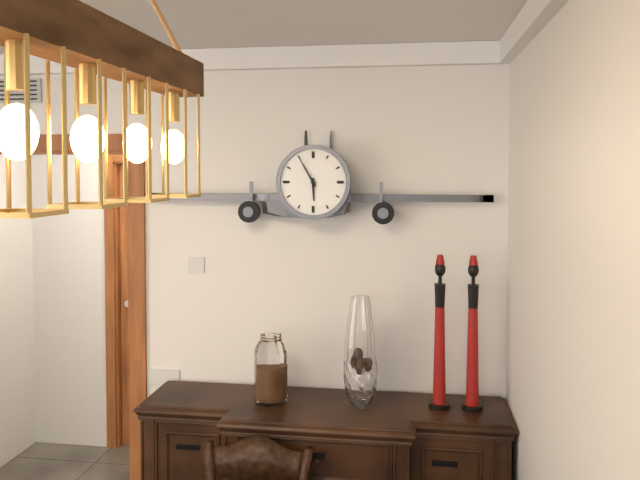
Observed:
5.55
